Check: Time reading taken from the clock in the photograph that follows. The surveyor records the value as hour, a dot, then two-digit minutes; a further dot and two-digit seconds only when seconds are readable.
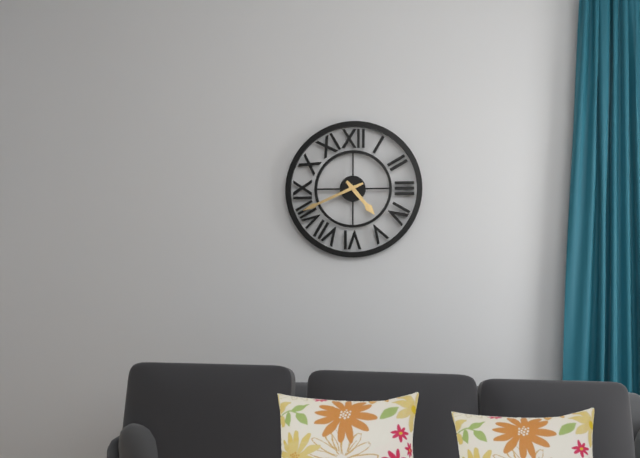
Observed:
4.41
